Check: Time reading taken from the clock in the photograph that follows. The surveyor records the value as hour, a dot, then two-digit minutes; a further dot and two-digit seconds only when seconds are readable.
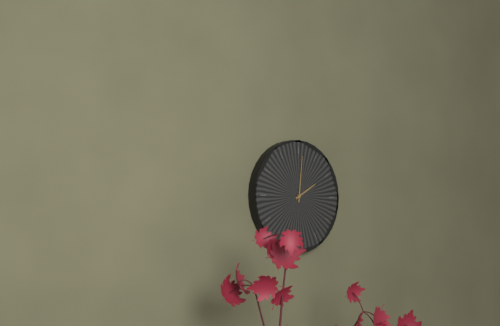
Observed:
2.01
